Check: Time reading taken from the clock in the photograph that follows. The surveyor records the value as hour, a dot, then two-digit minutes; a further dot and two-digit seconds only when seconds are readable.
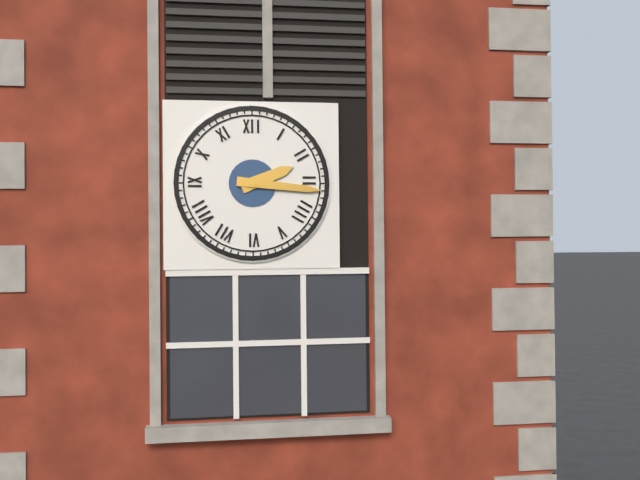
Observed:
2.16
